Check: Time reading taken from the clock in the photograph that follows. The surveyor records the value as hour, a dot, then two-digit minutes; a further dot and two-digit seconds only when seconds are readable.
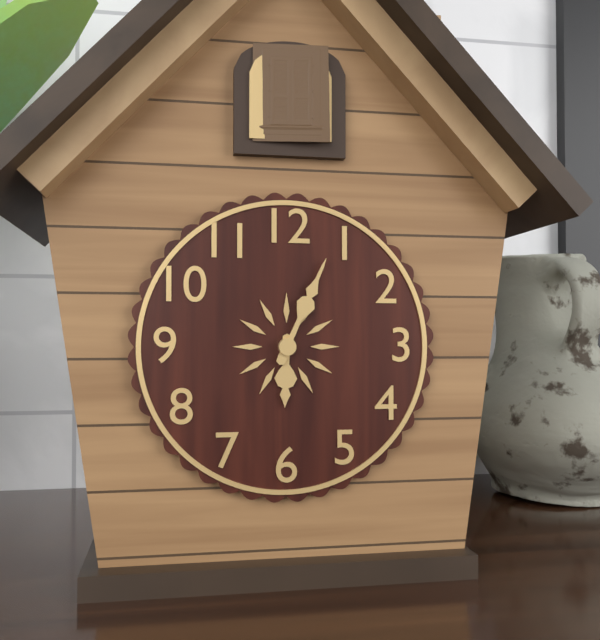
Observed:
6.04
